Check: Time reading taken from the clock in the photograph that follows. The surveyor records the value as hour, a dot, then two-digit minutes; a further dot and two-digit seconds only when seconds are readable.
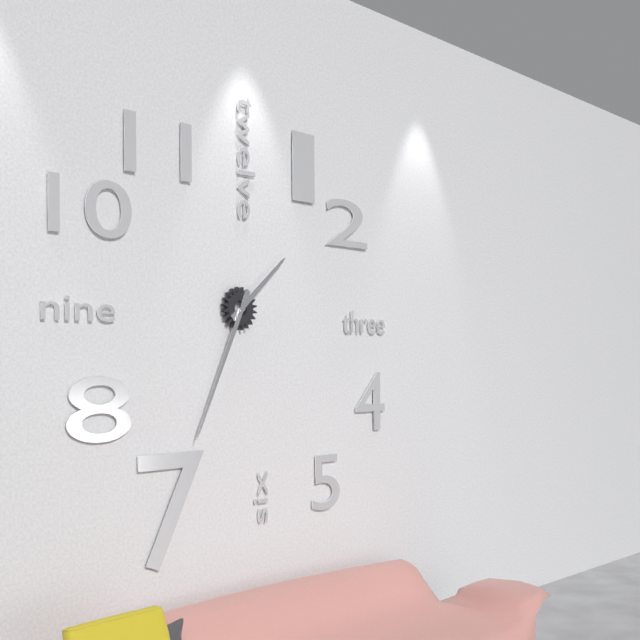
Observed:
1.34
